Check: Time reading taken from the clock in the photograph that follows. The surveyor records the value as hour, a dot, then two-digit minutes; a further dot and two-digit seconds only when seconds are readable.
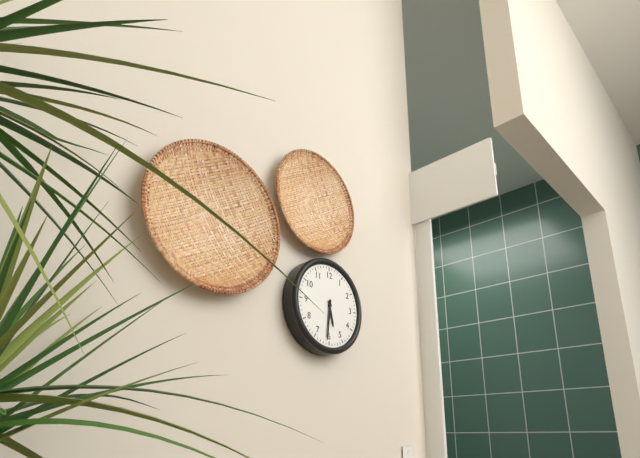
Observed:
5.31
